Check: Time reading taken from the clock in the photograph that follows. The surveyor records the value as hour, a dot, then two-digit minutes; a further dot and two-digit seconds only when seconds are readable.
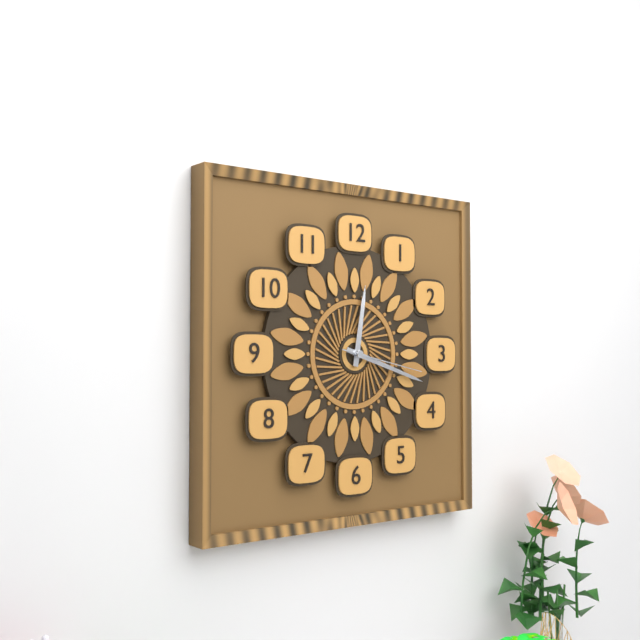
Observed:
12.18.17
